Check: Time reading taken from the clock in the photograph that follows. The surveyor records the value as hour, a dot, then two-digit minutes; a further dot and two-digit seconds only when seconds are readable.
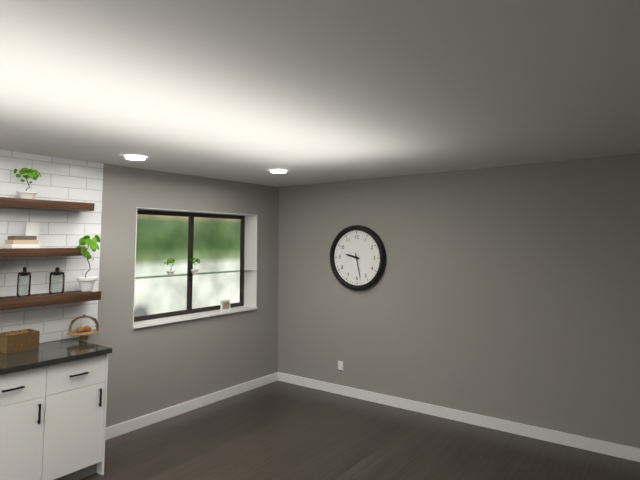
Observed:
9.28
